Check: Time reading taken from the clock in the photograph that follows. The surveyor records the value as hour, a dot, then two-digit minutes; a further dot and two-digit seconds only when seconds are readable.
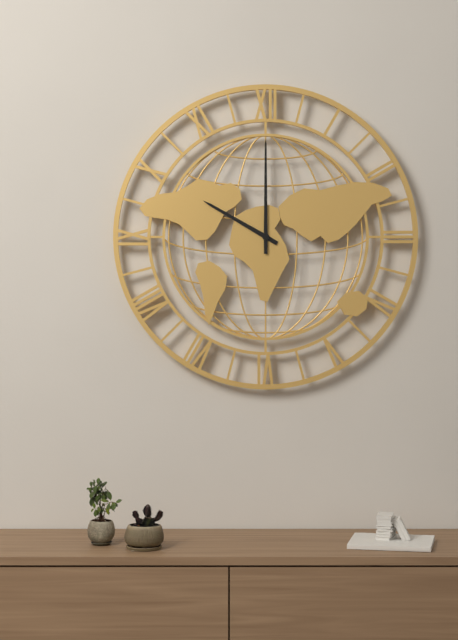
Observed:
10.00
